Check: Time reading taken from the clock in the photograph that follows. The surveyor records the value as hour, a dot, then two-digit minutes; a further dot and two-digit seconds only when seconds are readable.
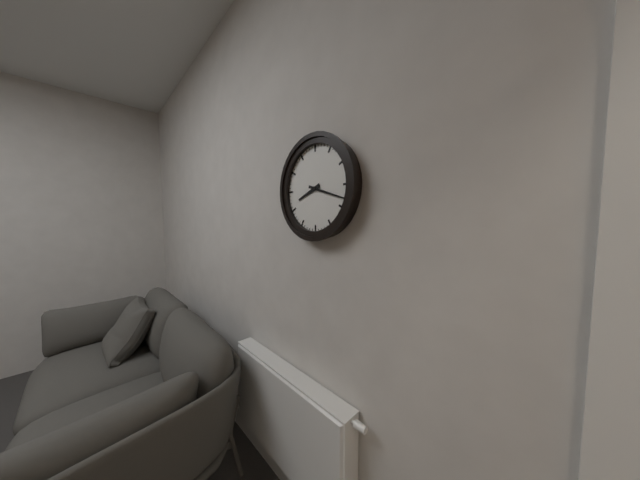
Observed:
8.18
